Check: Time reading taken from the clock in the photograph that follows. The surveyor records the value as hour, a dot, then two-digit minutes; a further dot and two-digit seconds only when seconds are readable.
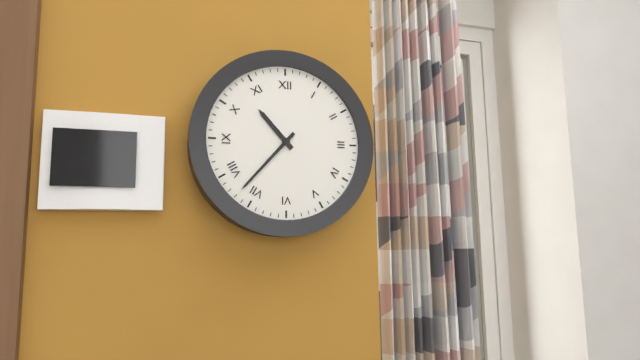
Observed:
10.37
